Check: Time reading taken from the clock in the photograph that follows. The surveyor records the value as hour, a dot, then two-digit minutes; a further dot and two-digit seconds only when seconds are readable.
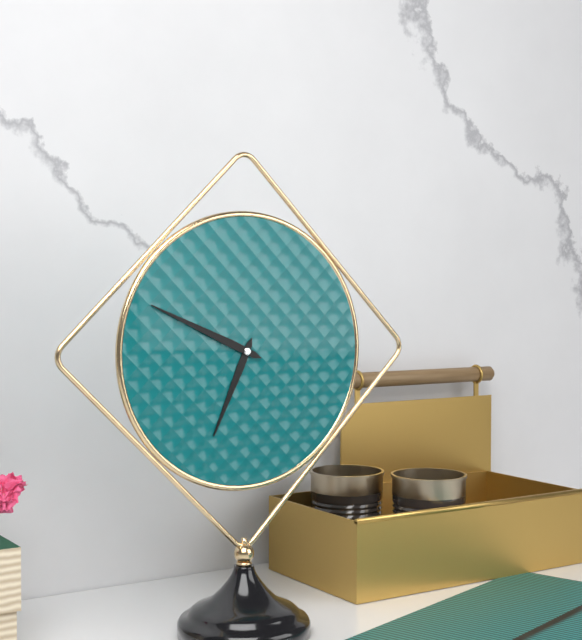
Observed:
6.49
